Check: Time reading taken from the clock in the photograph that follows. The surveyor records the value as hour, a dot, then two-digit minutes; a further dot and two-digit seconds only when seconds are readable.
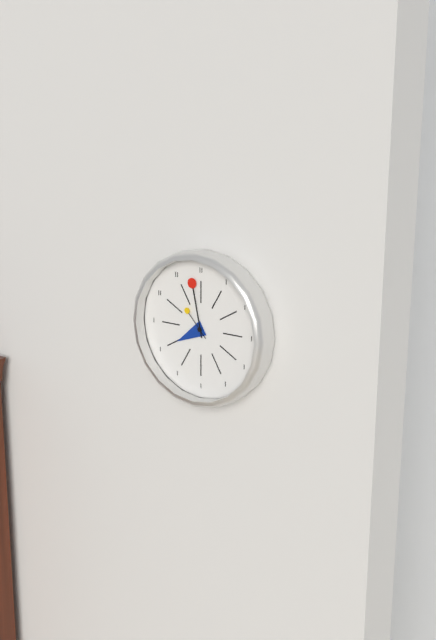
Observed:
7.58
